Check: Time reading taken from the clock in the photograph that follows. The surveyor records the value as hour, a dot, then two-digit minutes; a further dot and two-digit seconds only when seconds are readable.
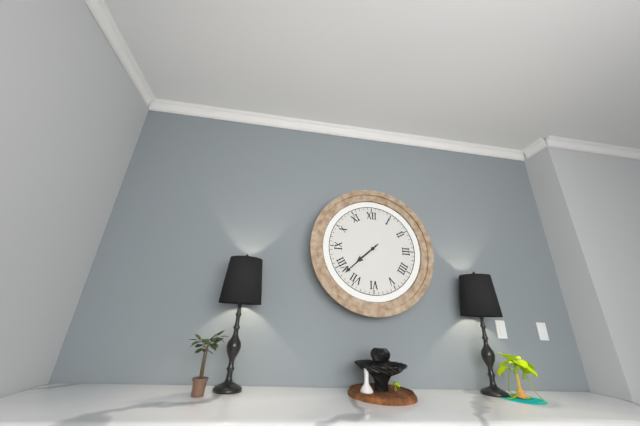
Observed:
7.38
